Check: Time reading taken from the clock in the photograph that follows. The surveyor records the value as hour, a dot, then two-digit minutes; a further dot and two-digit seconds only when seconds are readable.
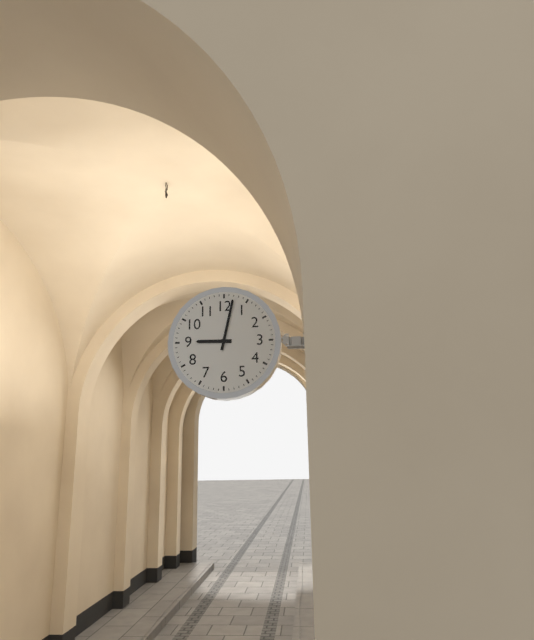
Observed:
9.02
